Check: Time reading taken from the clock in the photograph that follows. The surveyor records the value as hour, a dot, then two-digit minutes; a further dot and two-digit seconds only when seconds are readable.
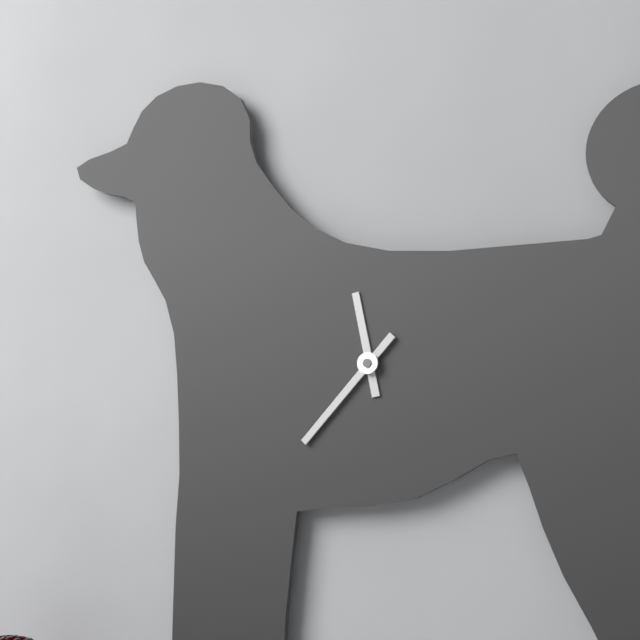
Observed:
11.37
